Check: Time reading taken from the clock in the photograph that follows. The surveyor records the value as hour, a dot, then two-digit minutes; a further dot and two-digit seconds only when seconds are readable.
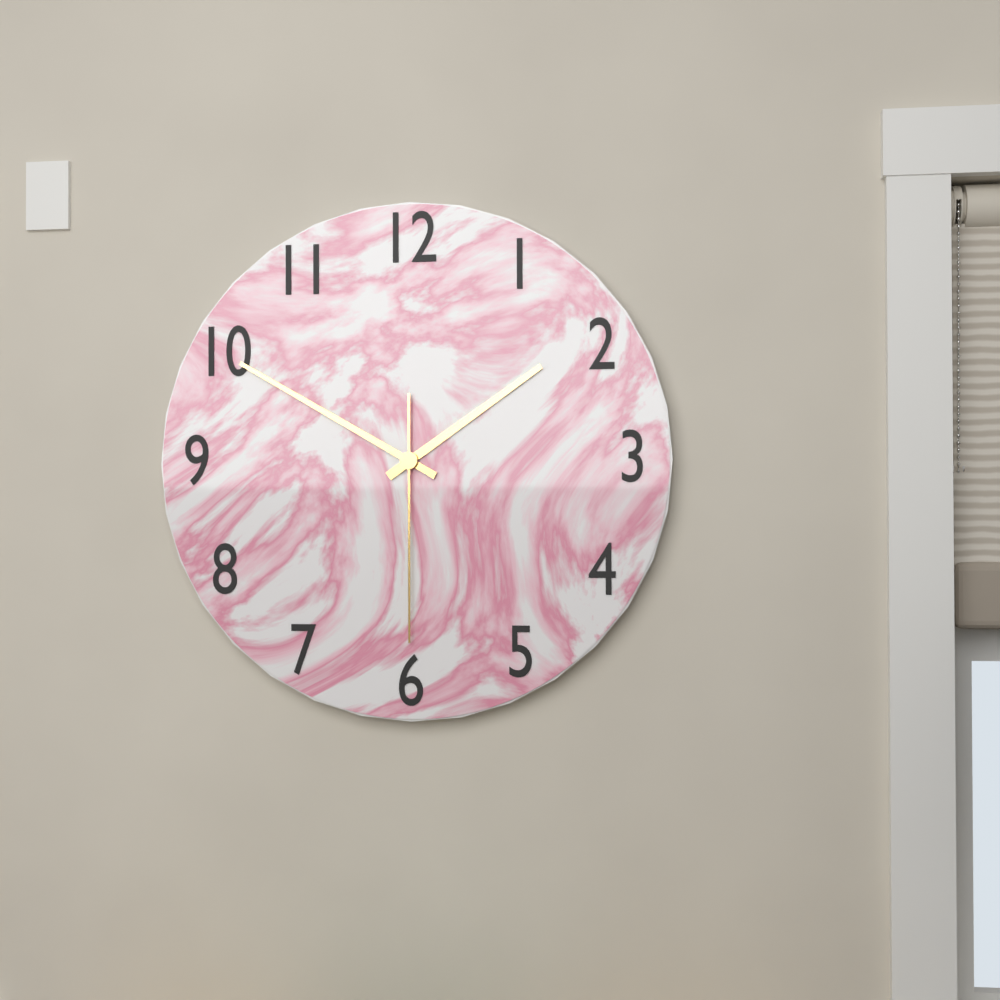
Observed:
1.50.30
